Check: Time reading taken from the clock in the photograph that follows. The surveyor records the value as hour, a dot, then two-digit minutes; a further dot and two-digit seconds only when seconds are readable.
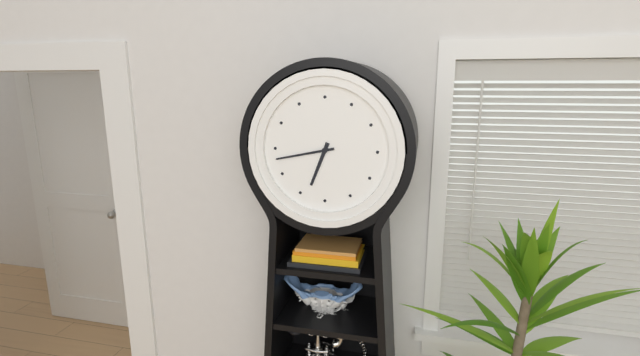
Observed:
6.43
